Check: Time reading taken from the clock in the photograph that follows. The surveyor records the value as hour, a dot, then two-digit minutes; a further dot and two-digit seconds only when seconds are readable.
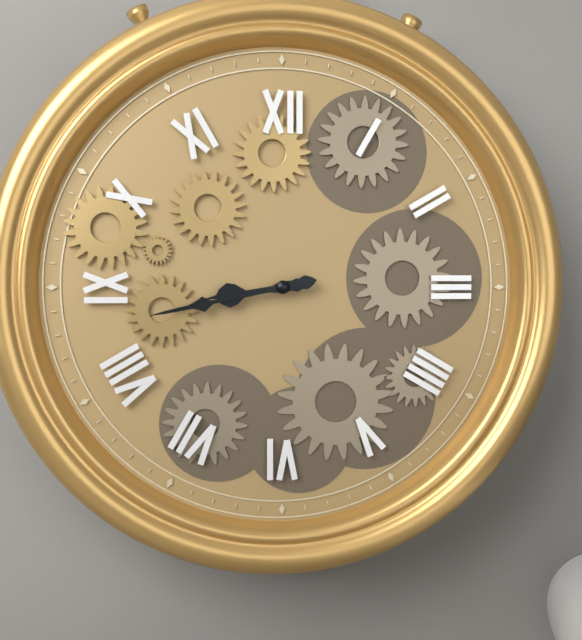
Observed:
8.43
